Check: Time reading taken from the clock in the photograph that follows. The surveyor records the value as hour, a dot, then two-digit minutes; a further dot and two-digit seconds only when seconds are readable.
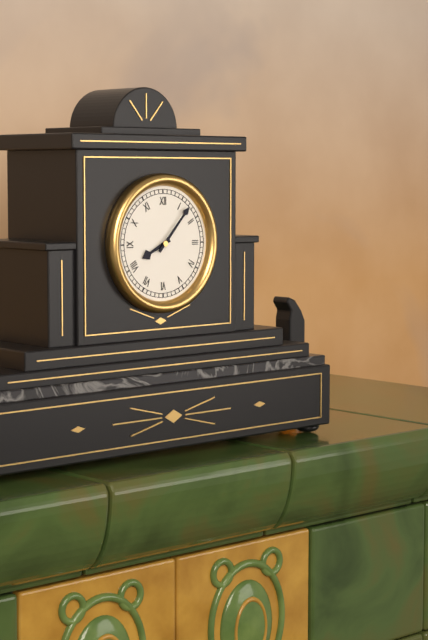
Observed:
8.07
